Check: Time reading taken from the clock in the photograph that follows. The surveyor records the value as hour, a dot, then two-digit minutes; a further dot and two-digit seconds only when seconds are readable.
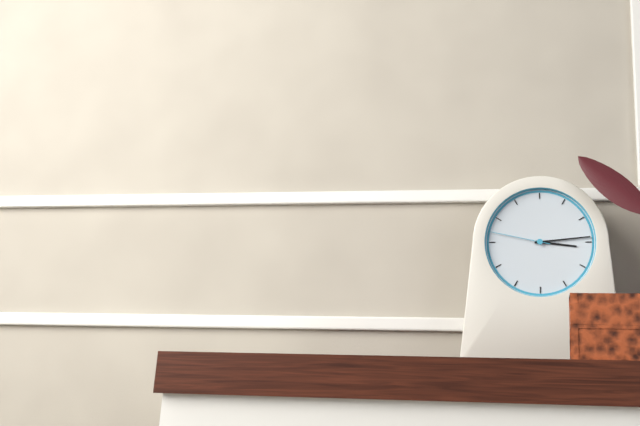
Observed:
3.14.47
